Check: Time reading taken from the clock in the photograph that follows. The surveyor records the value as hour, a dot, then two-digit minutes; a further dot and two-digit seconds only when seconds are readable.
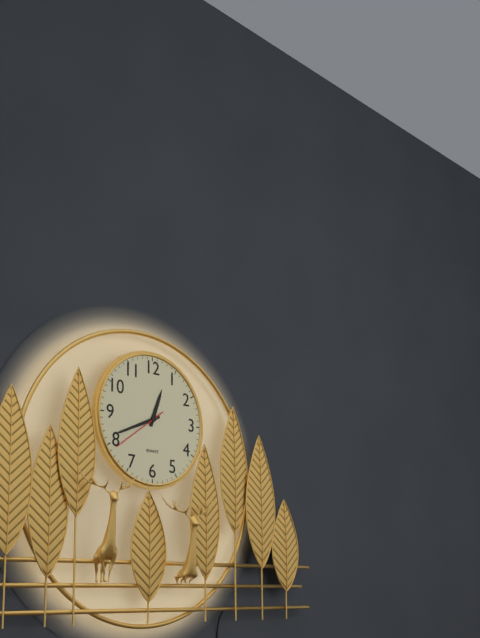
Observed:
12.41.39
